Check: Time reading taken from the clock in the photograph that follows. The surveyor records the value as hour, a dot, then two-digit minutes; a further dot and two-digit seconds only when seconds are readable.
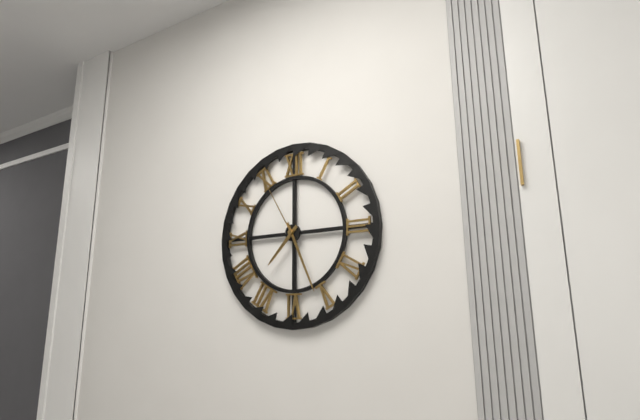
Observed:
7.26.55
